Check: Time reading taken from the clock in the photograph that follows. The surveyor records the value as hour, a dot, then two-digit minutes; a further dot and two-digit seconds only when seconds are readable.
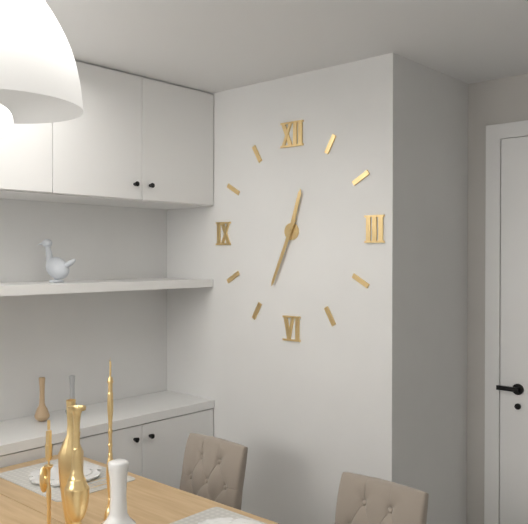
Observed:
12.34
